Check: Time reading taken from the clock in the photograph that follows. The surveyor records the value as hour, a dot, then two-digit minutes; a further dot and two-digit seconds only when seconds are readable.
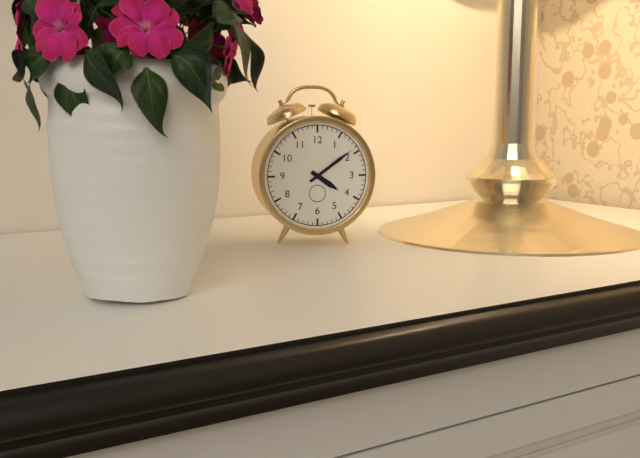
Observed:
4.09
